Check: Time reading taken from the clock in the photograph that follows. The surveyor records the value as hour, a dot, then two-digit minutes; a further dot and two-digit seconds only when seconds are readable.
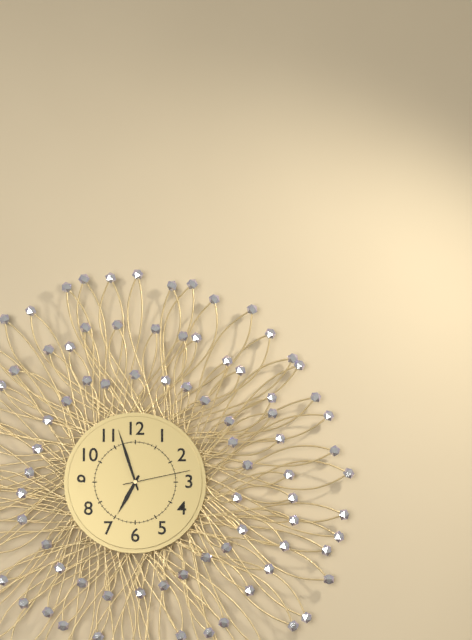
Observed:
6.57.13
